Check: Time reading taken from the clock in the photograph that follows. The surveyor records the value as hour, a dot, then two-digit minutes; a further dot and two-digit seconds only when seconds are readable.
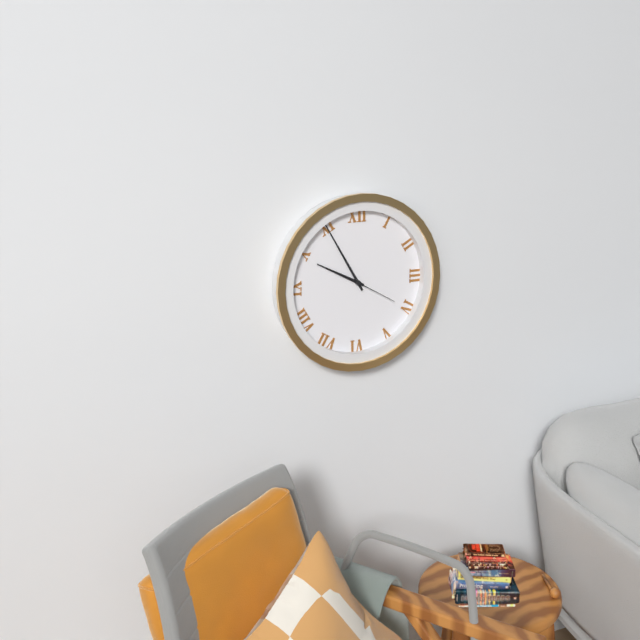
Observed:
9.55.20
